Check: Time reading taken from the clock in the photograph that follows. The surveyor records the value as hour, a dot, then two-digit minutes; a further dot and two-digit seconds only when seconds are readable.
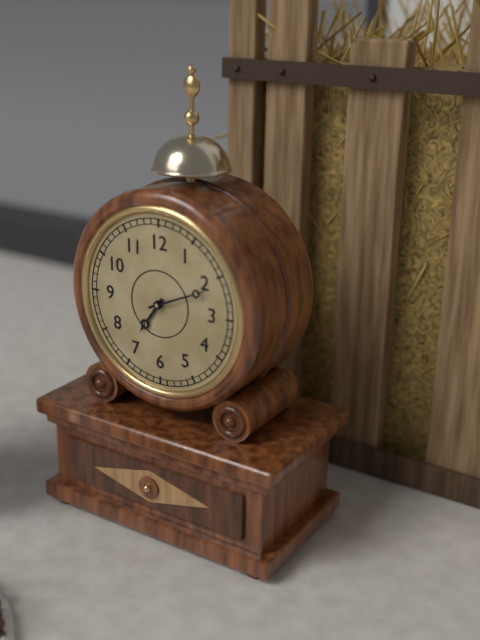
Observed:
7.11
